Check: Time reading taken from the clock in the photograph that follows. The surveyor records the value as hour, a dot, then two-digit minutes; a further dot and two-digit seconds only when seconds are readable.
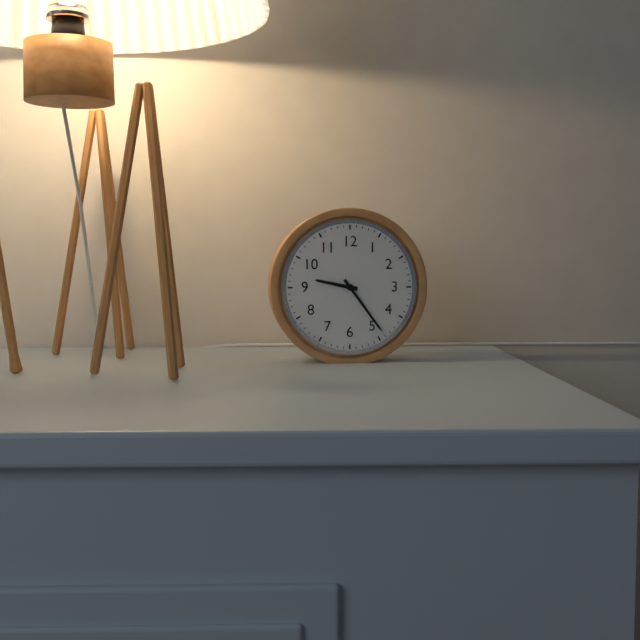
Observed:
9.24
